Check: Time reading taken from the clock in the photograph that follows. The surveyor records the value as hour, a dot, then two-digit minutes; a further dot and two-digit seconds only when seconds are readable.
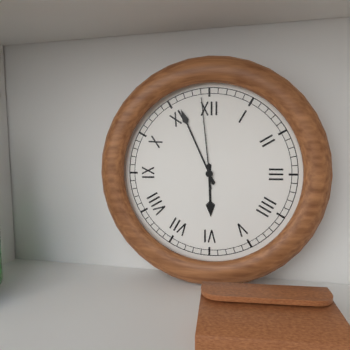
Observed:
5.56.59
